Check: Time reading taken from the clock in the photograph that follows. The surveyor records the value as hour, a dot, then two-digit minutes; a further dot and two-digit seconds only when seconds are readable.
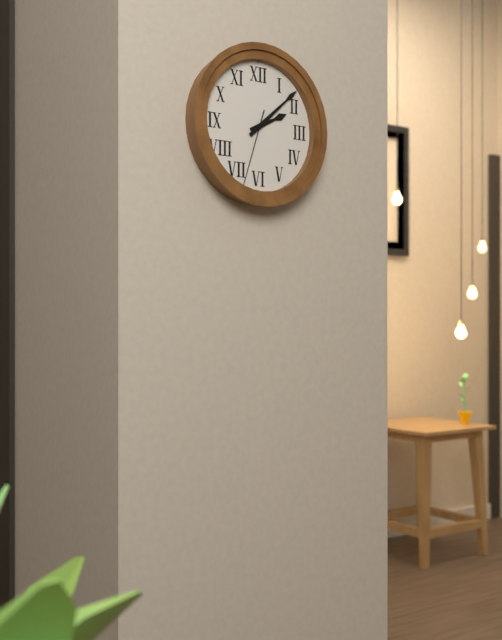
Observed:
2.08.33
